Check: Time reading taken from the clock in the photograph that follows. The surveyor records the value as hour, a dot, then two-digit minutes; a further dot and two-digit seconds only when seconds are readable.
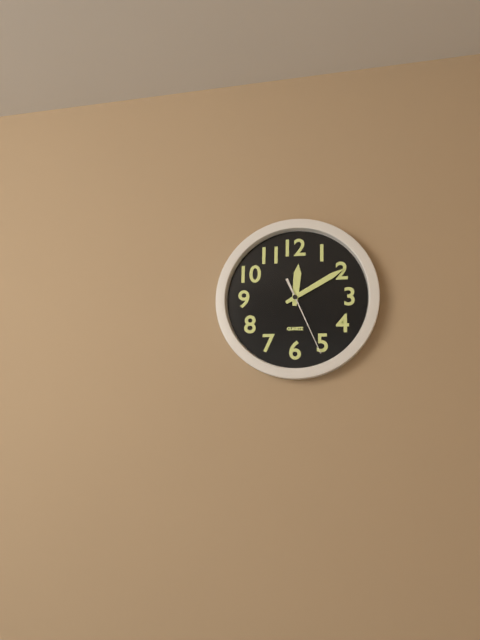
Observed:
12.10.26
